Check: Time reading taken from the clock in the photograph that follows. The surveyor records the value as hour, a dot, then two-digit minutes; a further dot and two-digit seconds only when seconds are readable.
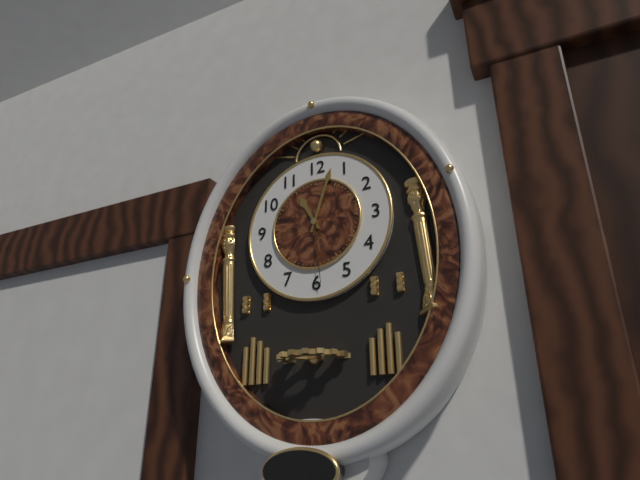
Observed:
11.03.29
